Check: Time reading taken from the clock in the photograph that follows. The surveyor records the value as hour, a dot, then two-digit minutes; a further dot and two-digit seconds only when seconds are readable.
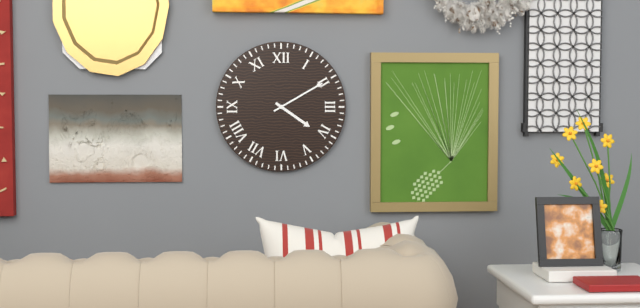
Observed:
4.10
